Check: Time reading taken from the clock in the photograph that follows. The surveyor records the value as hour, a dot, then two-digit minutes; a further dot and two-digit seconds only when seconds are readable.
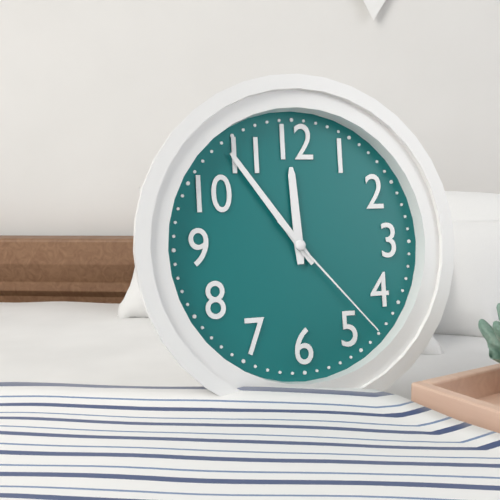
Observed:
11.54.23
